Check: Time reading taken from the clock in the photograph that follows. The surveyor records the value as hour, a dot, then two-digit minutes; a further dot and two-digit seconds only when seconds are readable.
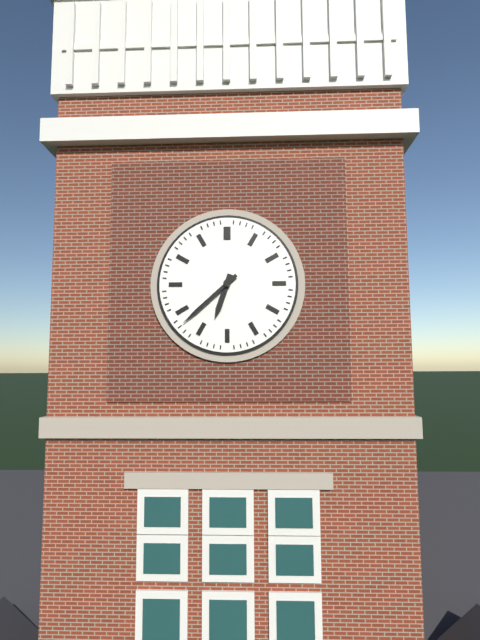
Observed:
6.38
